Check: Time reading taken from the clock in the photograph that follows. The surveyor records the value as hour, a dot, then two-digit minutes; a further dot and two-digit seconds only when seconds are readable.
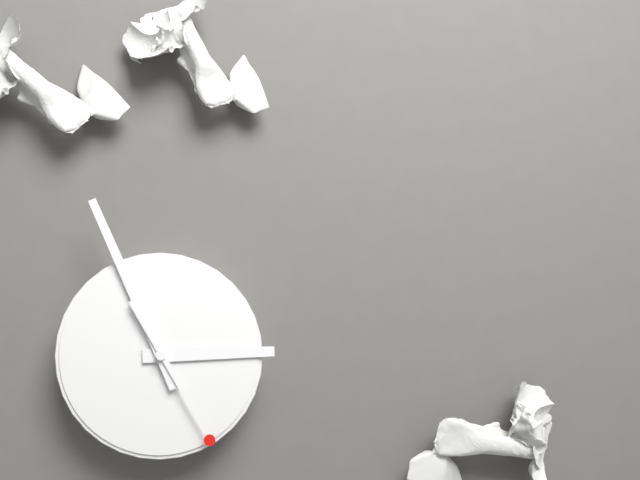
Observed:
2.56.25
